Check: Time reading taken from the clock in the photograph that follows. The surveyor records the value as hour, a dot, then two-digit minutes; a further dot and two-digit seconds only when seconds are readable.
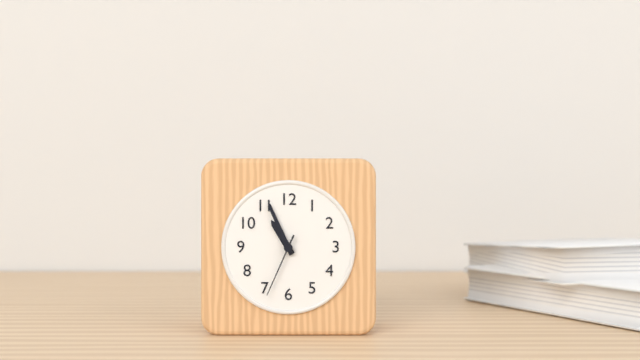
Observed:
10.56.34
